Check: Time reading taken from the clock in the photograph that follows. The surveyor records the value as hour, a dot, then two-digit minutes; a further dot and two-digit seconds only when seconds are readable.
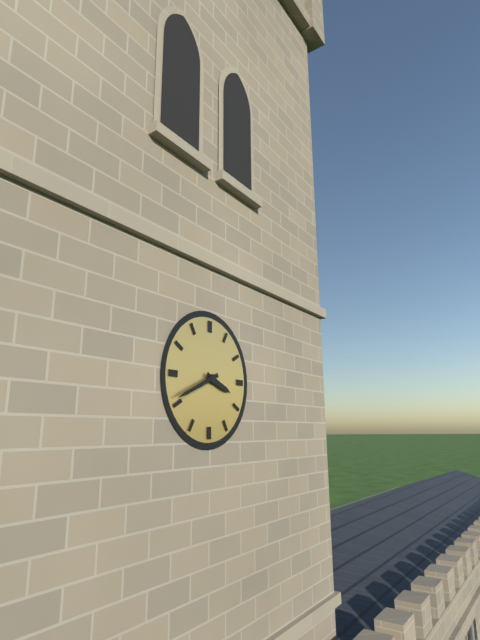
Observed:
3.41
